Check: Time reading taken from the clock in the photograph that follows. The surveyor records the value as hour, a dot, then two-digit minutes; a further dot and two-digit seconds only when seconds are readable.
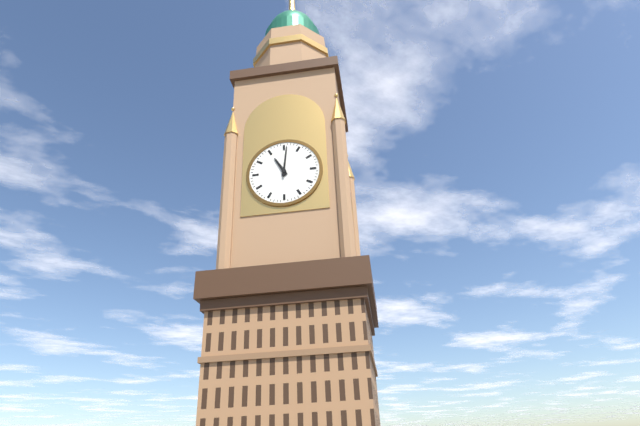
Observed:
11.01
